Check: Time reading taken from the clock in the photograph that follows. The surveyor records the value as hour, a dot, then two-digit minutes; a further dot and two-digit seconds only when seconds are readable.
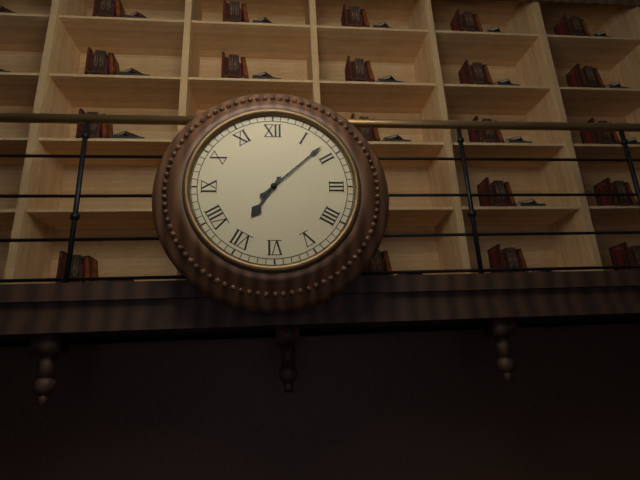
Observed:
7.08
